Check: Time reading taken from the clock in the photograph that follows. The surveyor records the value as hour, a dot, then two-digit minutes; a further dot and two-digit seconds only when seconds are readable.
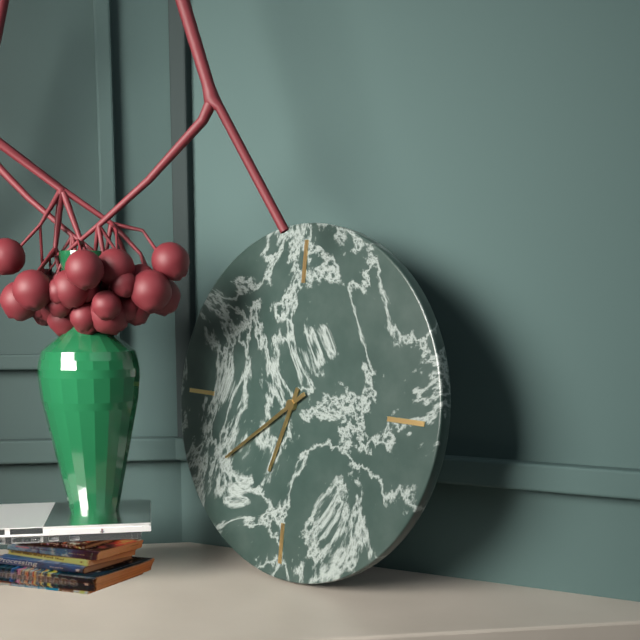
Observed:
6.39
